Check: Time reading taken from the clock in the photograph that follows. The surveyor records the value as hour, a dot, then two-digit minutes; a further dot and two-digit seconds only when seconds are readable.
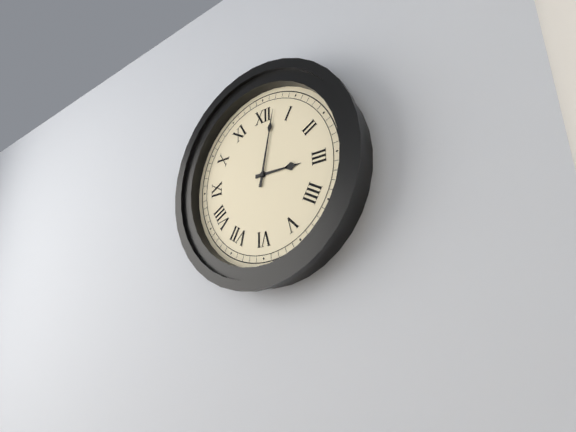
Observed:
3.02
